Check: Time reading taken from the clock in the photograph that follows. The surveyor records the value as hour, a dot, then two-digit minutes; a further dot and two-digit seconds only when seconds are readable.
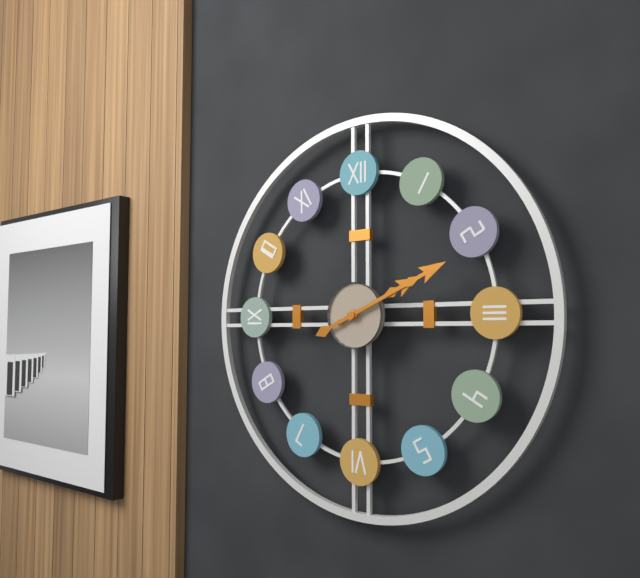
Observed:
2.11
